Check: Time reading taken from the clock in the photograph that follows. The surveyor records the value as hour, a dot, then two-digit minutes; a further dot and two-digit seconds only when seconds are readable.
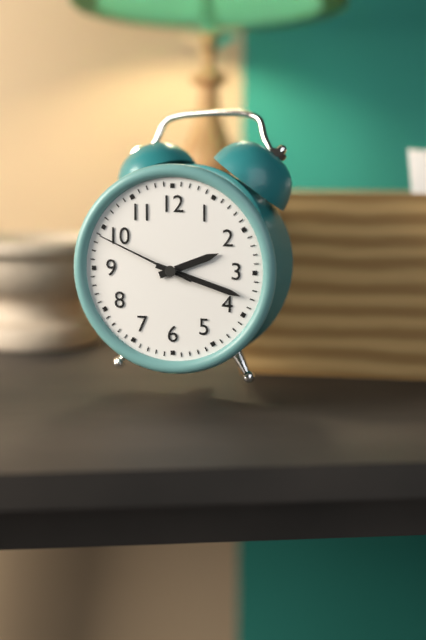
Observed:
2.18.49
